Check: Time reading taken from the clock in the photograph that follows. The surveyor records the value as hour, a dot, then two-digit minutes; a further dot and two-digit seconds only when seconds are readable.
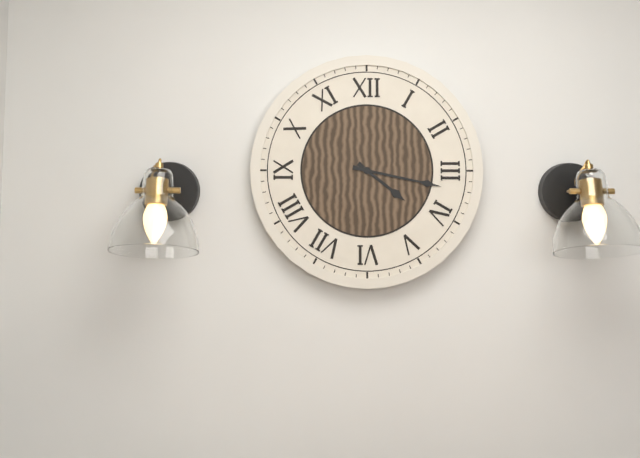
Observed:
4.17
